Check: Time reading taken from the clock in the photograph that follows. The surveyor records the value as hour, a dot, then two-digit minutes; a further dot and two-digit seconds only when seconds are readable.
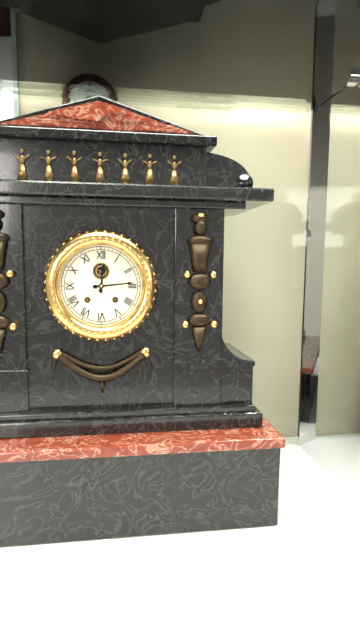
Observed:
12.14
